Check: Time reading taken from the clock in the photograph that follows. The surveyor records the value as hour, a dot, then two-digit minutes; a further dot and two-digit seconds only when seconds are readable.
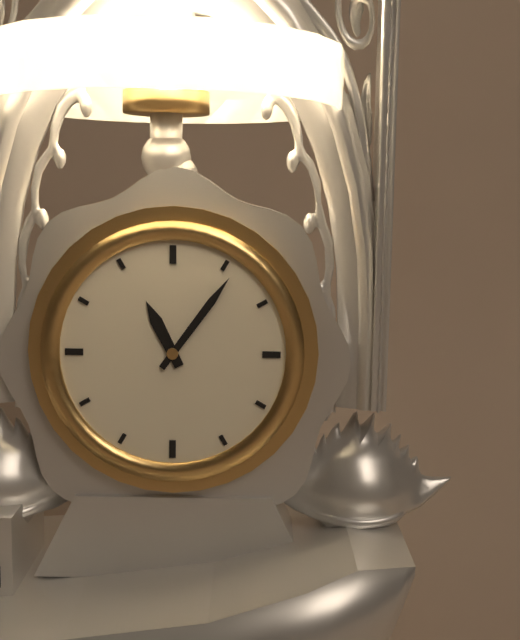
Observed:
11.06
